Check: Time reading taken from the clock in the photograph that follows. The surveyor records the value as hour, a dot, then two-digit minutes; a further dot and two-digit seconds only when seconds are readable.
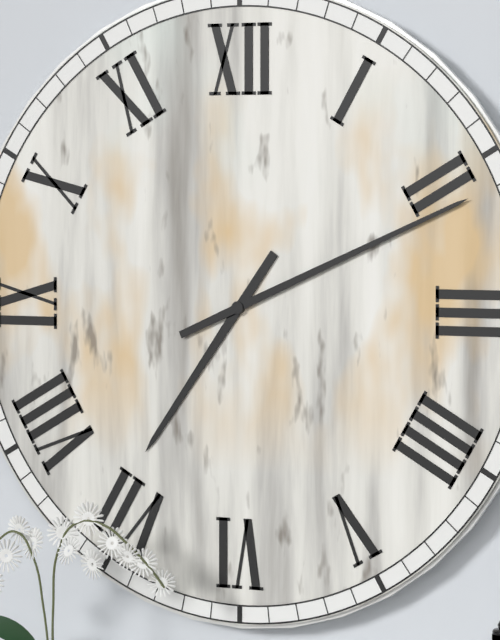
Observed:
7.11
